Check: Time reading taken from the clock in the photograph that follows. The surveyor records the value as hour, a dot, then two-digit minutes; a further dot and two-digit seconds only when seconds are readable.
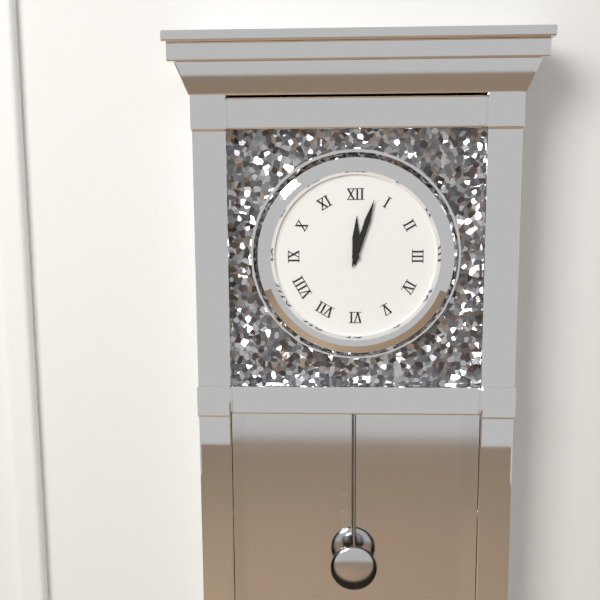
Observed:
12.03
